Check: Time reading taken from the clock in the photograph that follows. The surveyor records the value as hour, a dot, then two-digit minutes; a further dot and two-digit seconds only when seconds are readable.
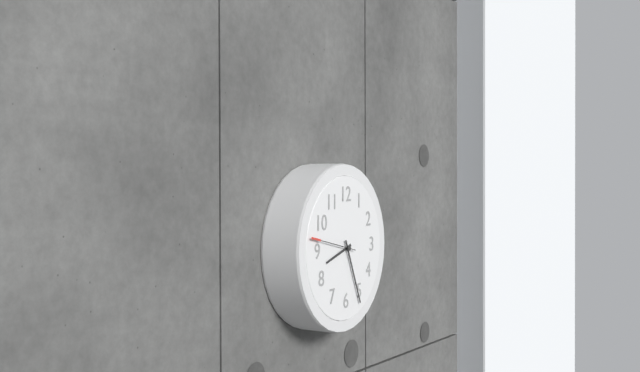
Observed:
8.26
